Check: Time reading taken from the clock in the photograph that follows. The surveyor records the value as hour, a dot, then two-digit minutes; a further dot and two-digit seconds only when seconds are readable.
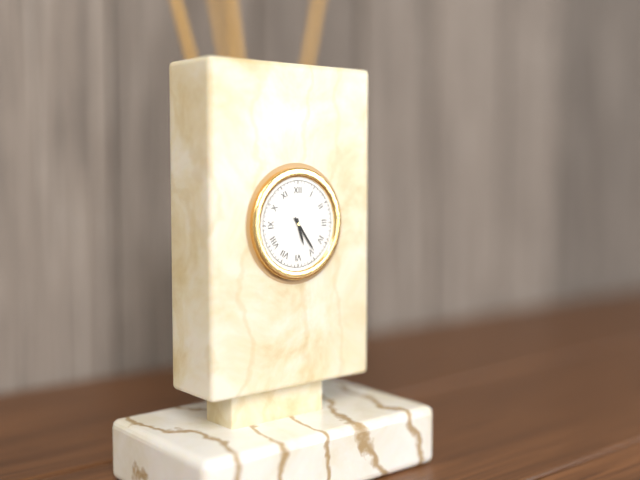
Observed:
5.24
